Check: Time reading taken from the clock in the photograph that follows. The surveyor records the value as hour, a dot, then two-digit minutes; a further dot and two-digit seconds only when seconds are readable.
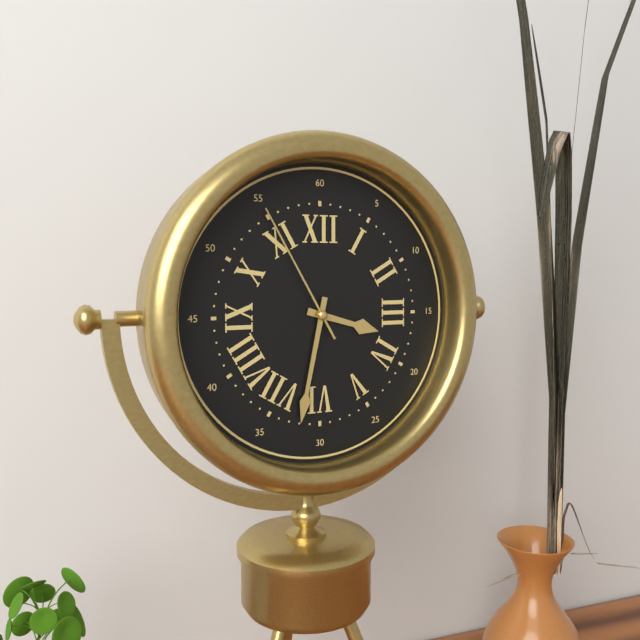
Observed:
3.32.55
